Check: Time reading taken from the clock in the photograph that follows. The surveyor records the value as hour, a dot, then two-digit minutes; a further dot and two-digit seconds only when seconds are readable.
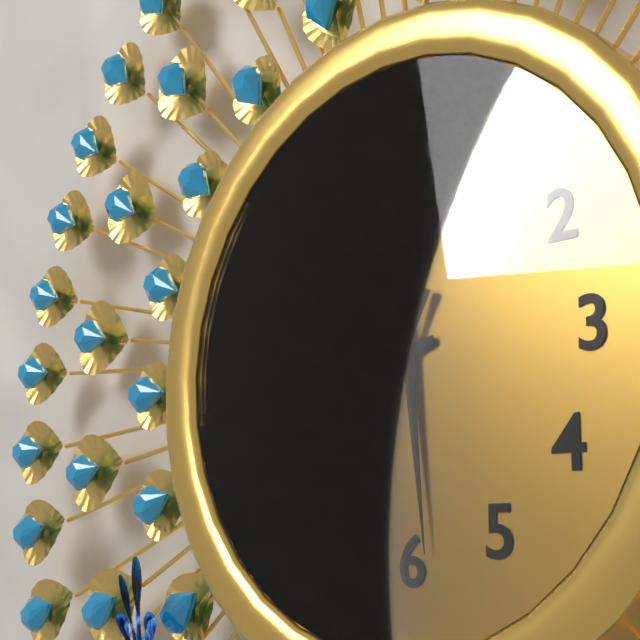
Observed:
8.29.34
